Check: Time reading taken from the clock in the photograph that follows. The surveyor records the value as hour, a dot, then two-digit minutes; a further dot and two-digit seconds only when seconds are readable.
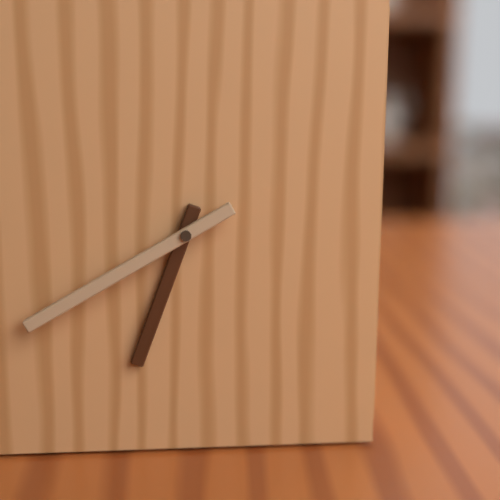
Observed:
6.40
